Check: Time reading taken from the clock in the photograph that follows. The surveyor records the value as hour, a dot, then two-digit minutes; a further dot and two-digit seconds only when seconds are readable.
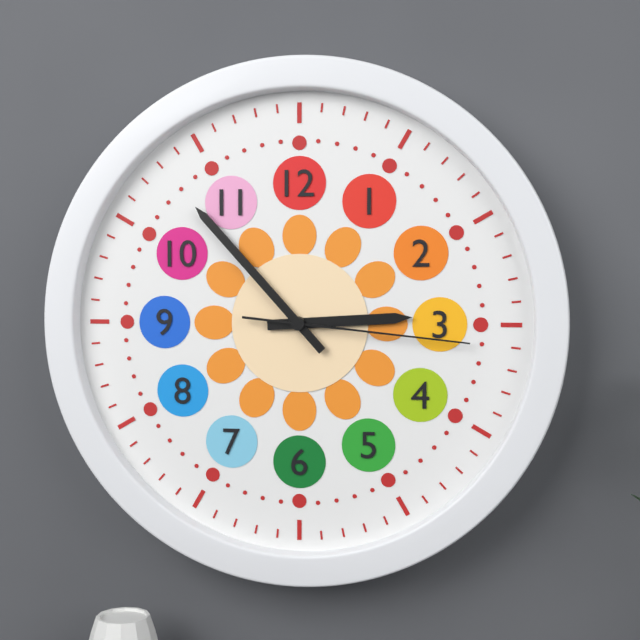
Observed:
2.53.16
